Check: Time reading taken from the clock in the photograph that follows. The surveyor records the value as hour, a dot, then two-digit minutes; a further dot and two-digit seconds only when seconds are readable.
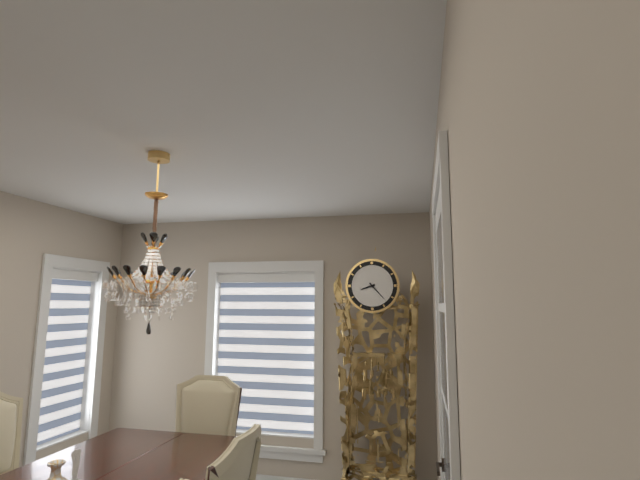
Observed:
8.23
